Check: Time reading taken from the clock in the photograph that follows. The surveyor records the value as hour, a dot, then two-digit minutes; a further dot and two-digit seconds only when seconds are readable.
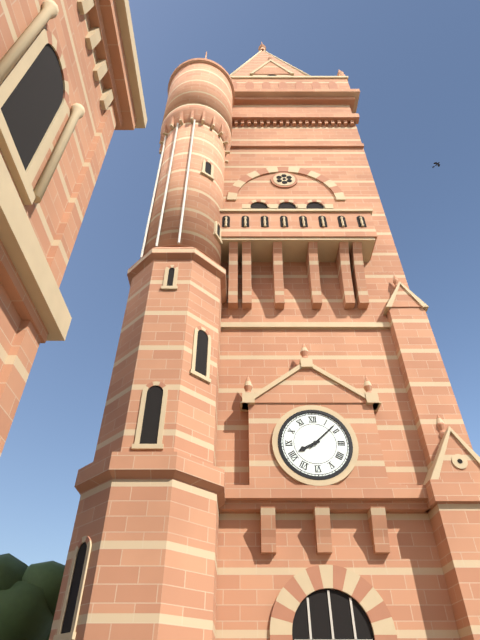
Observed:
8.08
